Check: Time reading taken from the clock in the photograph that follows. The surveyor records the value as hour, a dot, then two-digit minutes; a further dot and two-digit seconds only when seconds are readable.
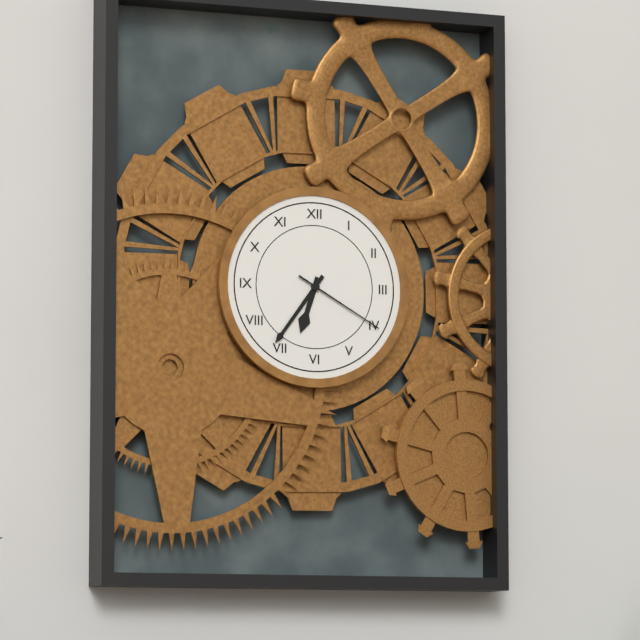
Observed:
6.36.20
